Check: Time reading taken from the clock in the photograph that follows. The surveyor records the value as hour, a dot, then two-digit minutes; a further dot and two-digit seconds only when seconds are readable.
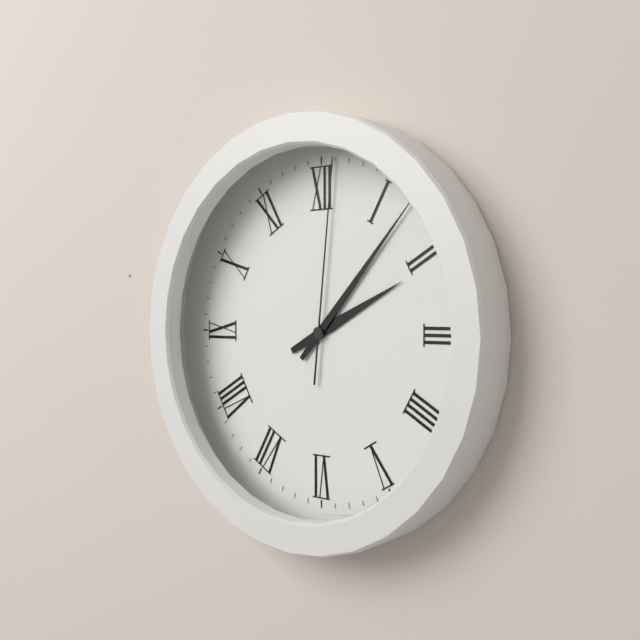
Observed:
2.07.01
